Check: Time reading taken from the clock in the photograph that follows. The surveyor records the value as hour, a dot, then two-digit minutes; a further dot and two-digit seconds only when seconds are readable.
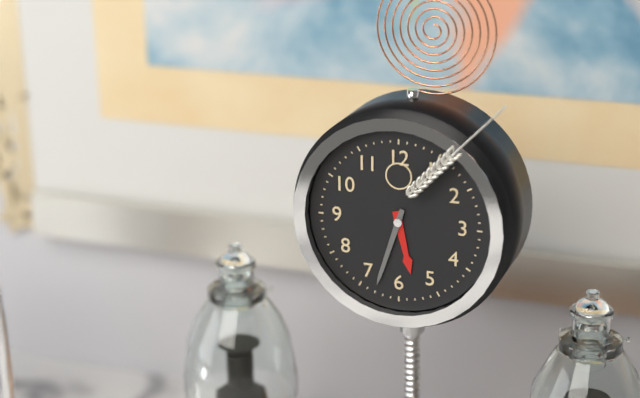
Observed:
5.33
